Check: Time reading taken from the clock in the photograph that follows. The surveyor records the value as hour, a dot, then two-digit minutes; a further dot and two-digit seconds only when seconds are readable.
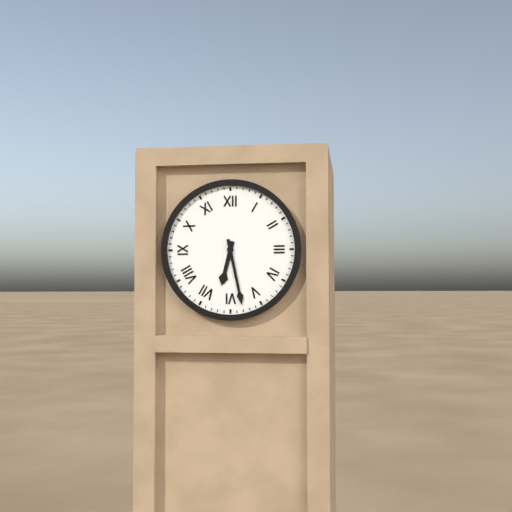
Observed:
6.28
